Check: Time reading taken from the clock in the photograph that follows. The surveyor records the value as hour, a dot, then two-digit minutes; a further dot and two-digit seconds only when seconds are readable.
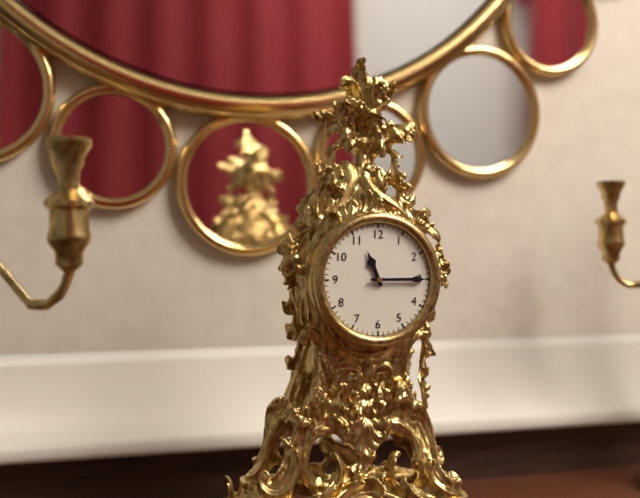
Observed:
11.15
